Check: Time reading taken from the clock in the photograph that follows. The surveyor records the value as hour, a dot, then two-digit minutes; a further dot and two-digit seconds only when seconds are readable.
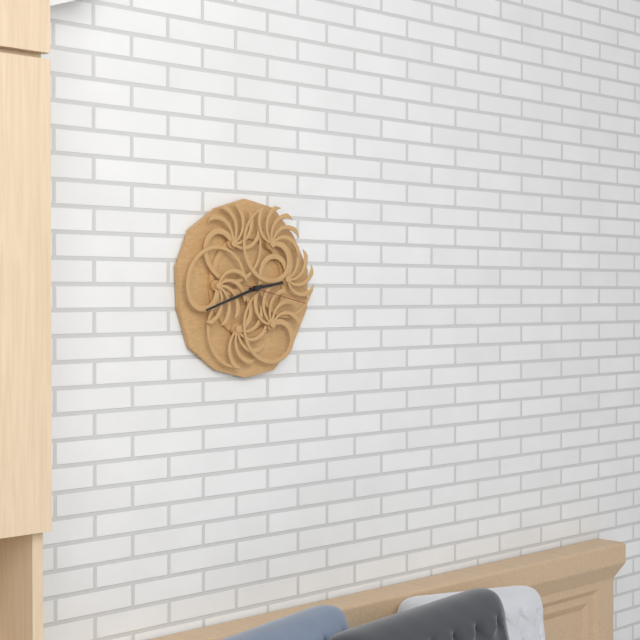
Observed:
2.42.17
